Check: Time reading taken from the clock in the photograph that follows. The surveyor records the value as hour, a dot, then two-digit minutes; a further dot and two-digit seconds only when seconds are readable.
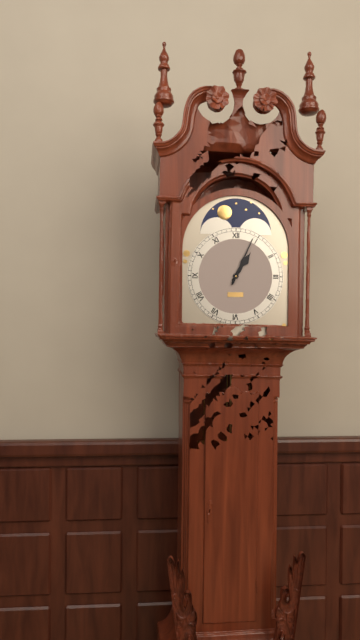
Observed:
1.04
